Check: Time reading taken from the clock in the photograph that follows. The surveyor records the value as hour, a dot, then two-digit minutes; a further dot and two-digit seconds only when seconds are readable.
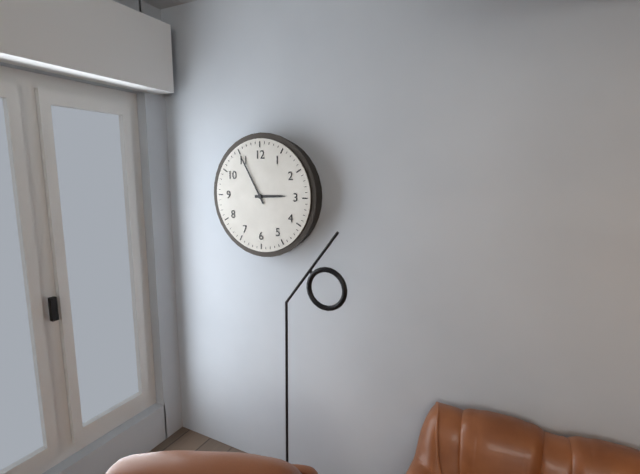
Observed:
2.55
